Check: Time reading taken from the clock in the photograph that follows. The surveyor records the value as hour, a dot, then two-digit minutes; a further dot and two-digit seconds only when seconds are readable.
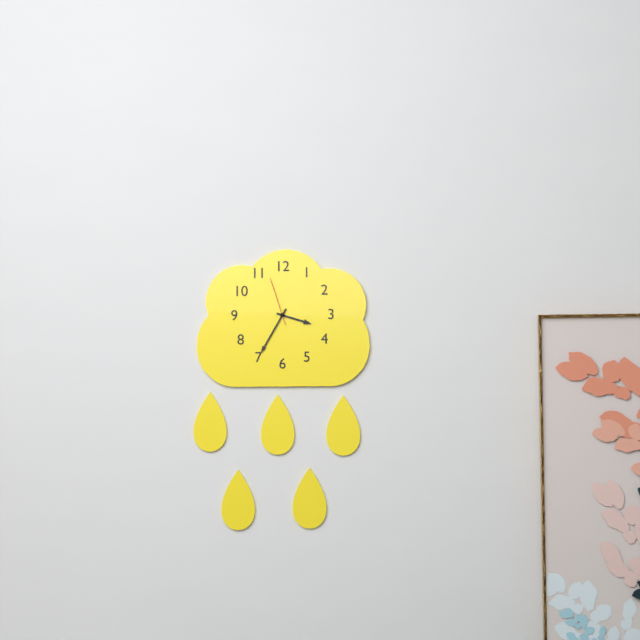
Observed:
3.35.57
